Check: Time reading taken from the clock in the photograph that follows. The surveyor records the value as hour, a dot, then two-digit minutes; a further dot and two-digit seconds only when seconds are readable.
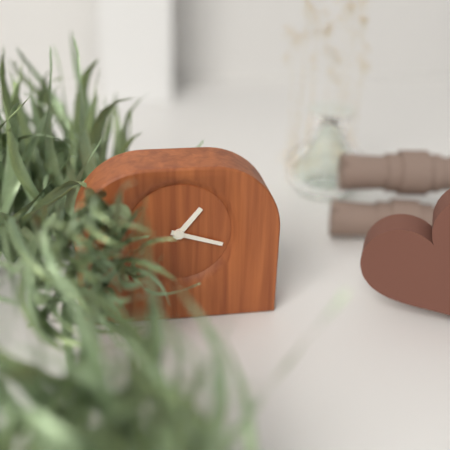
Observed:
1.18
